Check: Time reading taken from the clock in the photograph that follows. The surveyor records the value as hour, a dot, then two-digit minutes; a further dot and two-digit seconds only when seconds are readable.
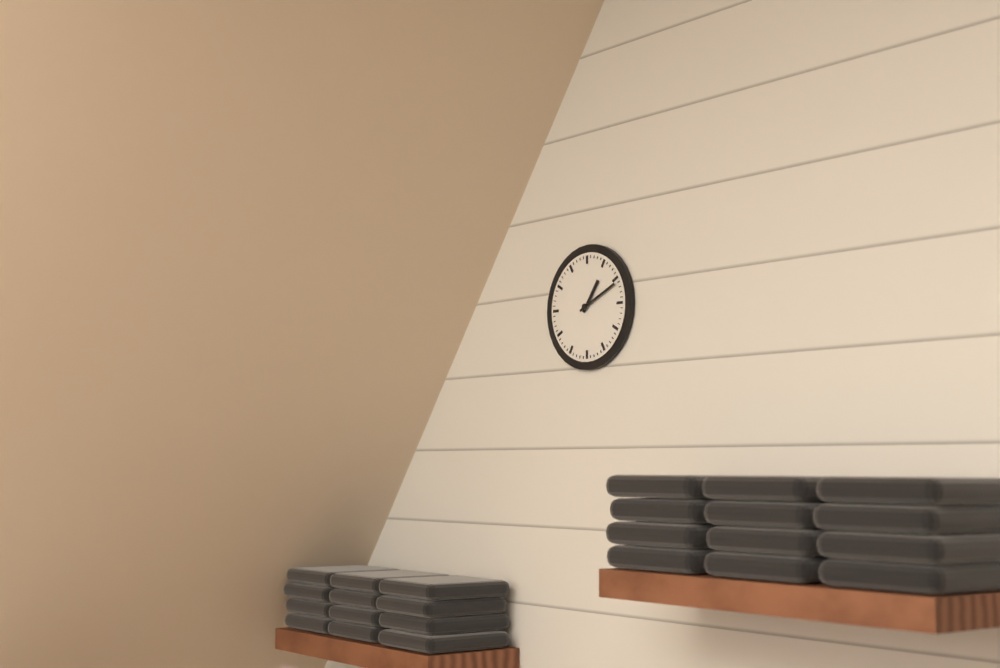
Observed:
1.11
